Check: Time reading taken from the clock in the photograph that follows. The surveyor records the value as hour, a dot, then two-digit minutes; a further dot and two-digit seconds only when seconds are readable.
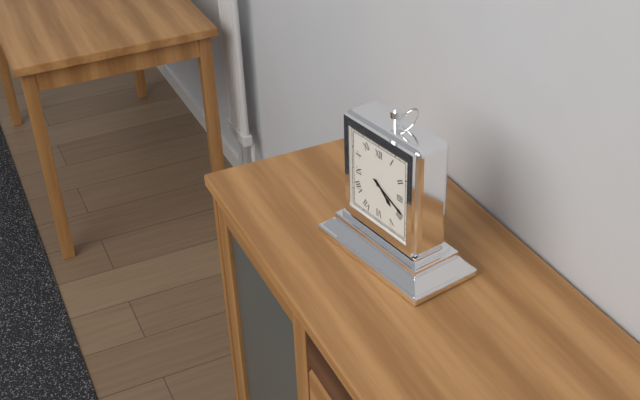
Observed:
4.19
